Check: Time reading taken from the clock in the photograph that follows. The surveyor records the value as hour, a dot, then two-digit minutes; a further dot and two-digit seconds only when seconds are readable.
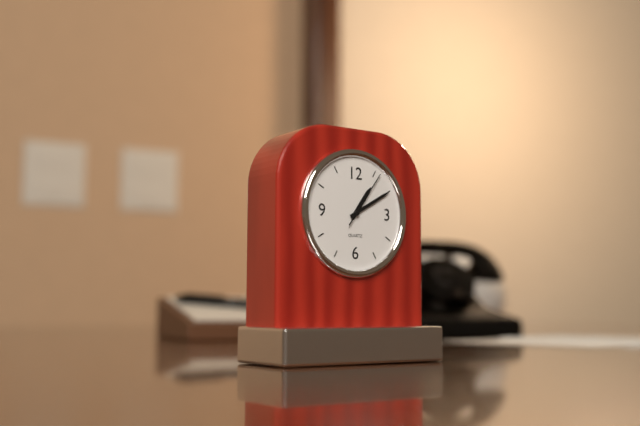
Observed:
1.10.06
